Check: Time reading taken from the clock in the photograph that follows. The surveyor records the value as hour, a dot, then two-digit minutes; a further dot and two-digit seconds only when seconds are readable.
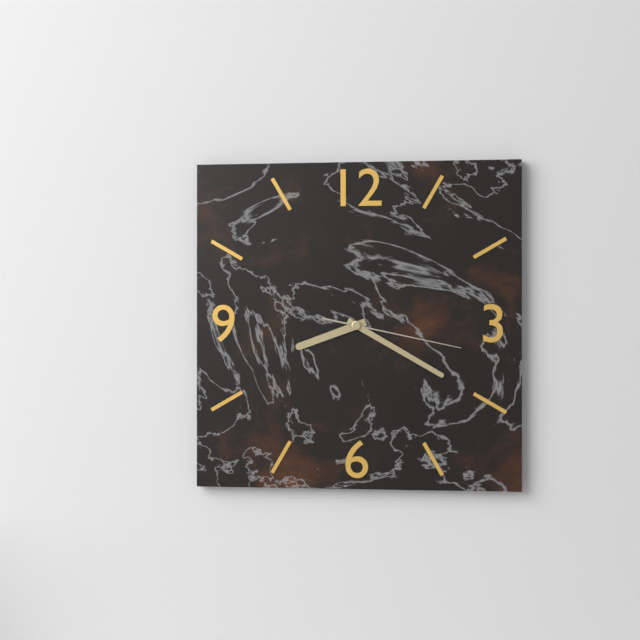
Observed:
8.20.17
